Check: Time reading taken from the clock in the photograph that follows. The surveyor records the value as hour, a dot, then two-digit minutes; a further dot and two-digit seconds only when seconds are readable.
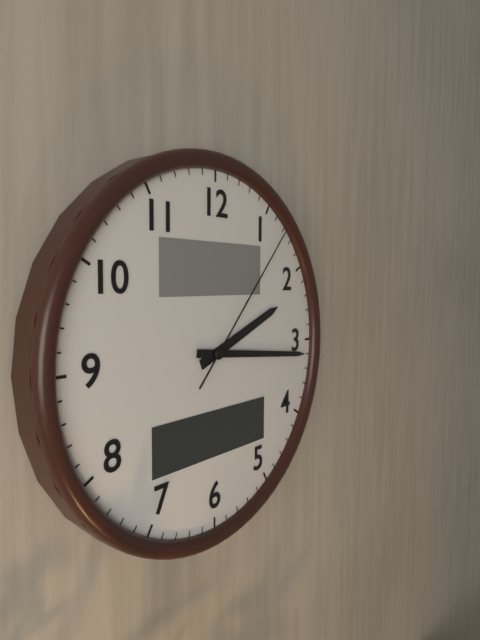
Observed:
2.16.07
